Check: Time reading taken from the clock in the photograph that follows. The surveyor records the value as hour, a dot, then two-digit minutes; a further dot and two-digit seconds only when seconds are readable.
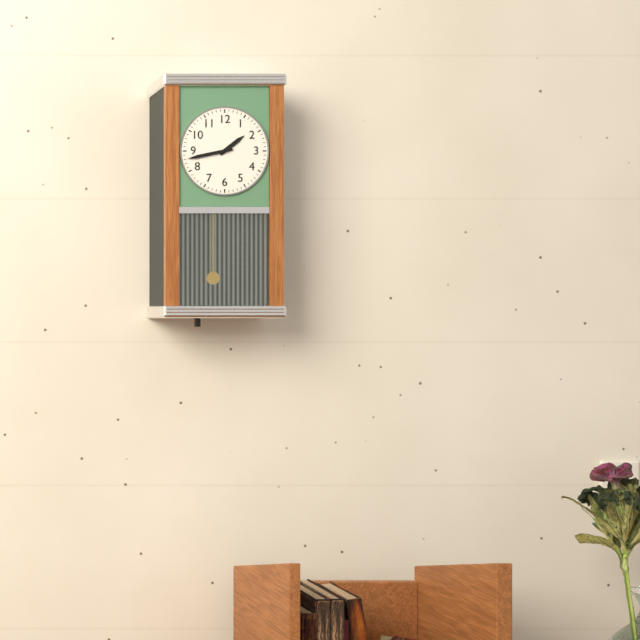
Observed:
1.43
